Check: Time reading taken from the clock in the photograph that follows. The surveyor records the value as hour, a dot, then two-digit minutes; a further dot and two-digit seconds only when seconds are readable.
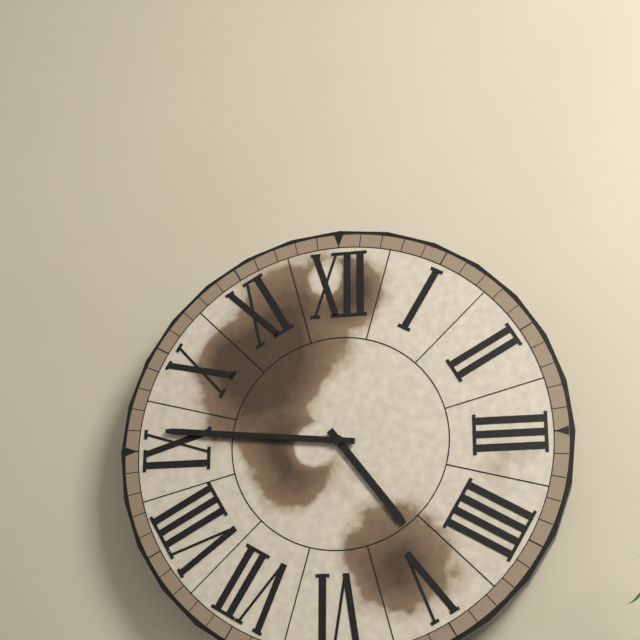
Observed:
4.46
